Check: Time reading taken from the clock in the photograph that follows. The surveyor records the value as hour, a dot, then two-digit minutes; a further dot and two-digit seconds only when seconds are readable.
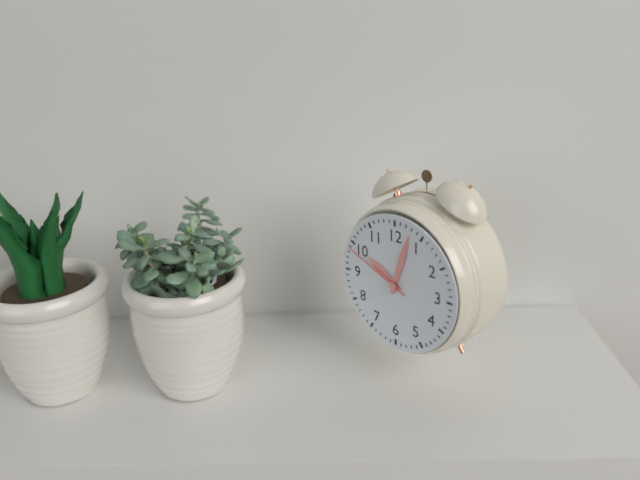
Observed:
10.03.49
